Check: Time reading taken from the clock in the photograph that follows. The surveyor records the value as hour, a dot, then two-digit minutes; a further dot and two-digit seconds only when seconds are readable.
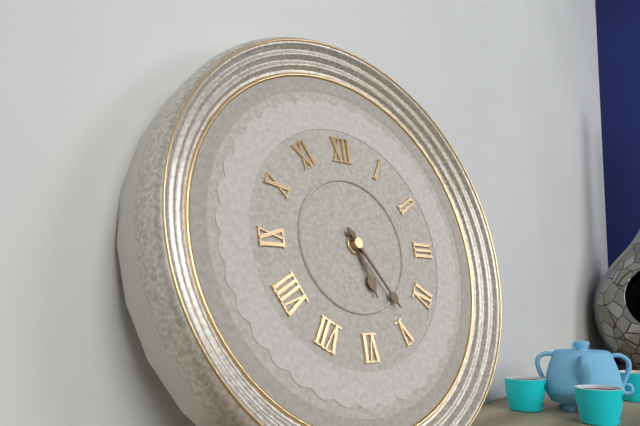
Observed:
5.24
